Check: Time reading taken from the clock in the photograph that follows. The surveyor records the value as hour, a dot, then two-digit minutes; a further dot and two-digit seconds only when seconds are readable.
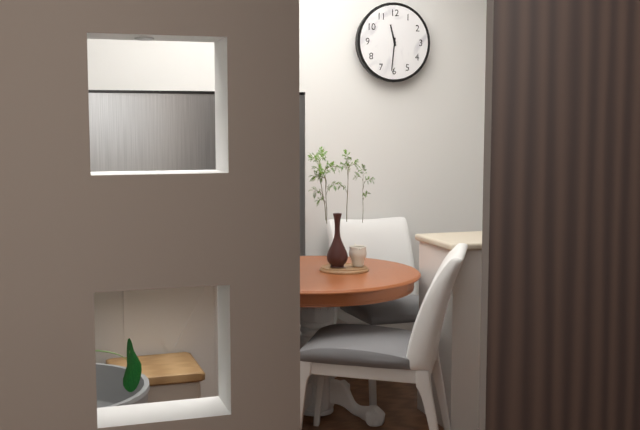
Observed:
11.31
